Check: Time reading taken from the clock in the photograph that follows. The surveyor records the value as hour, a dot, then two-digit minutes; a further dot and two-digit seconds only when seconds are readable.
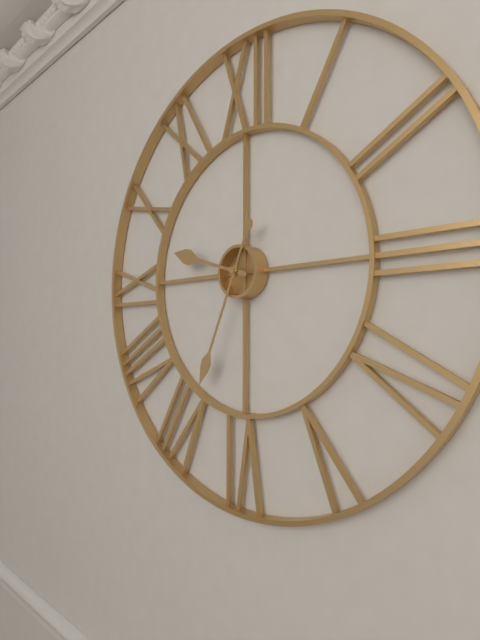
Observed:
9.34
